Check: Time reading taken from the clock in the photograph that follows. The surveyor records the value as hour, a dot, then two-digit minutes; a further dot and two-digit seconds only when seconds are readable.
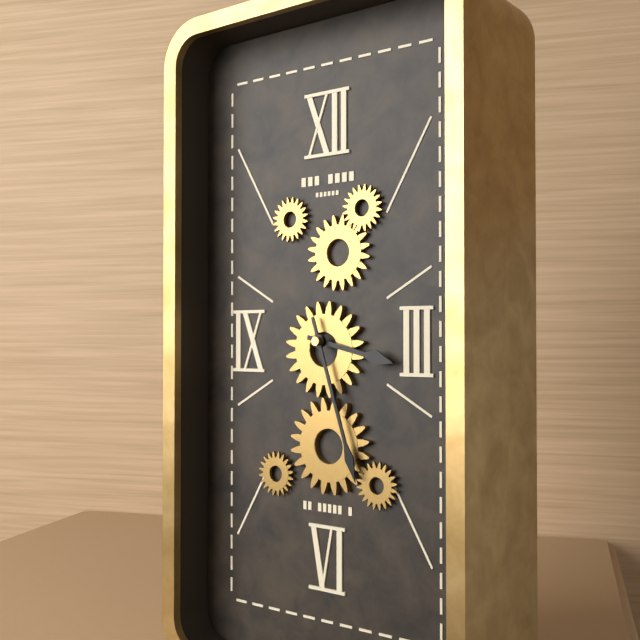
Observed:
3.27
